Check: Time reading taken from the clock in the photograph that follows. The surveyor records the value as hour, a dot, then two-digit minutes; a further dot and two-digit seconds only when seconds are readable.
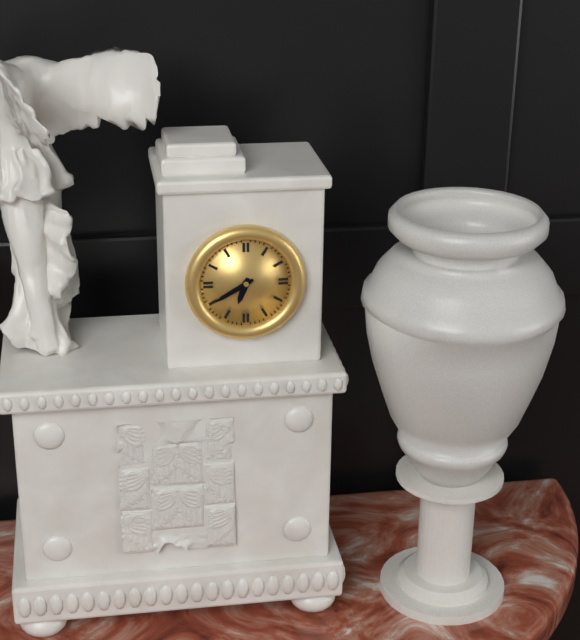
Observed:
6.40
